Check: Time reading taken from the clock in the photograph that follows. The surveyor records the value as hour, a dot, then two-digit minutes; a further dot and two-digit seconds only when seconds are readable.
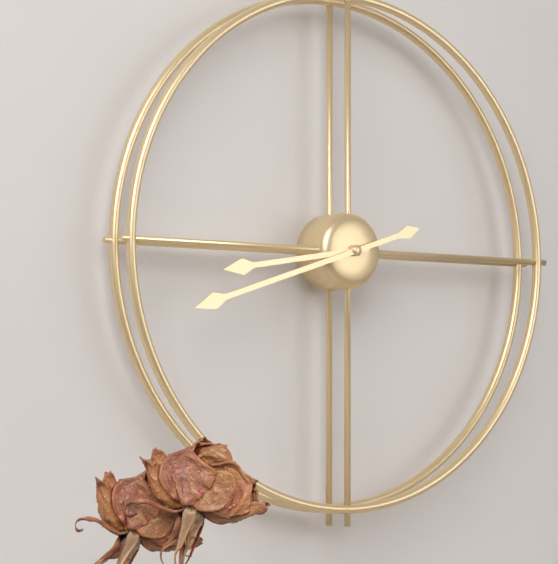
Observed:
8.42
